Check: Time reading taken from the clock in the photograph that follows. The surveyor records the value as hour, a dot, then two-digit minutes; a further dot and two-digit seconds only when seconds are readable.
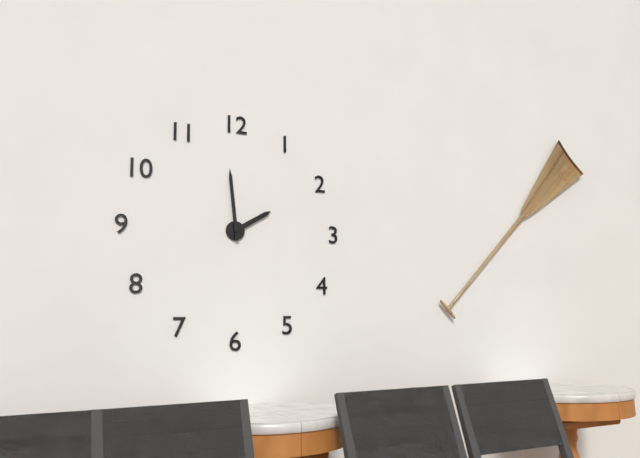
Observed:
1.59
